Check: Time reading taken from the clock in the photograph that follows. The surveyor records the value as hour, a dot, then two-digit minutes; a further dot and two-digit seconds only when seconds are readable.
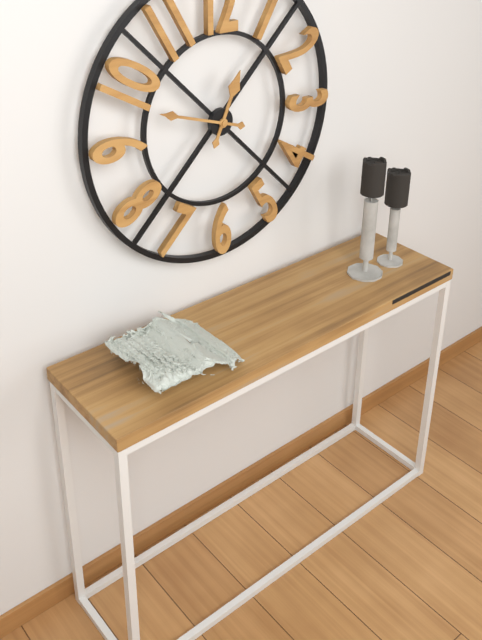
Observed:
12.48
